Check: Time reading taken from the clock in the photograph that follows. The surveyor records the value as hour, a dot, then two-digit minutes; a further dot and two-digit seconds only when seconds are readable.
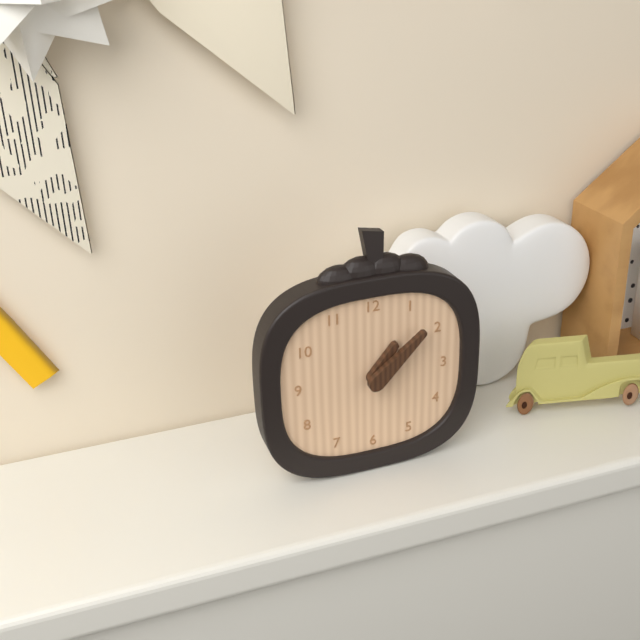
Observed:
1.08
